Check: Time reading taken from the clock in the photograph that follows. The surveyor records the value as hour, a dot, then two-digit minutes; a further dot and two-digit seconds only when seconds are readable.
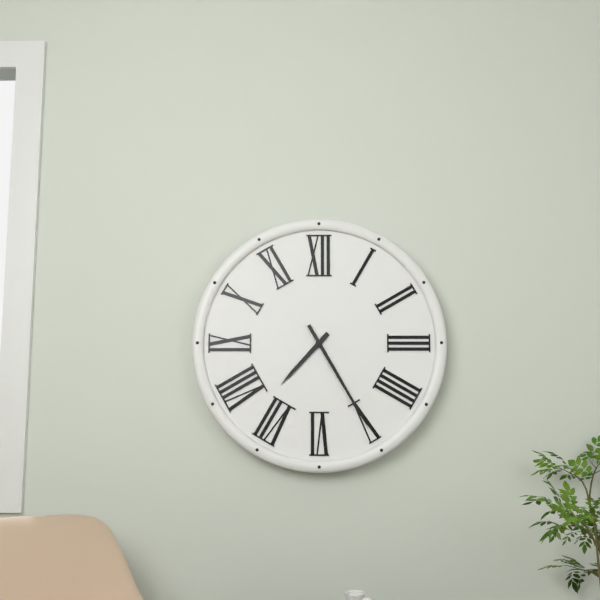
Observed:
7.25
